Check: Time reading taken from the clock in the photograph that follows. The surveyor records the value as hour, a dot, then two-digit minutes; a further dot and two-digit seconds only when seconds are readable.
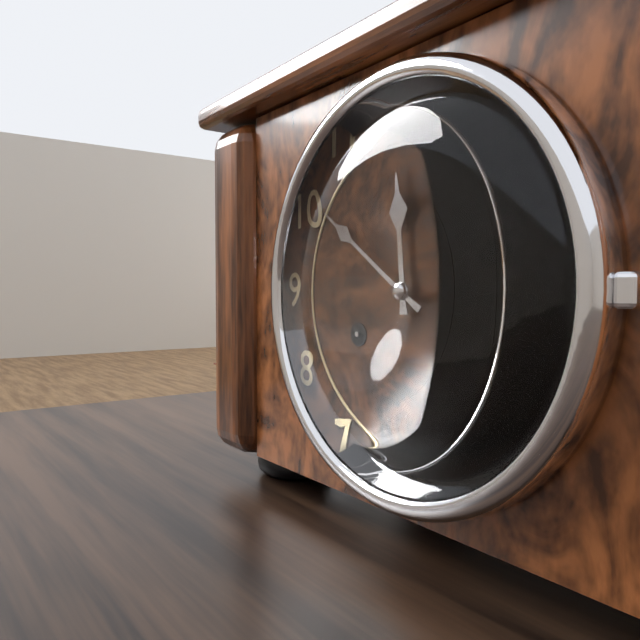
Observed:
11.51
